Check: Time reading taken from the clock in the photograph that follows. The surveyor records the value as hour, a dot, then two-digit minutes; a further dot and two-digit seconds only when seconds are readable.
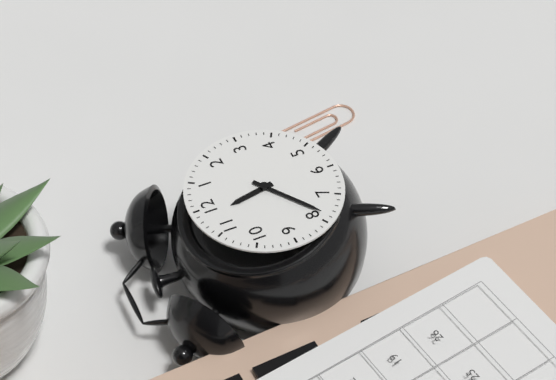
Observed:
11.39
